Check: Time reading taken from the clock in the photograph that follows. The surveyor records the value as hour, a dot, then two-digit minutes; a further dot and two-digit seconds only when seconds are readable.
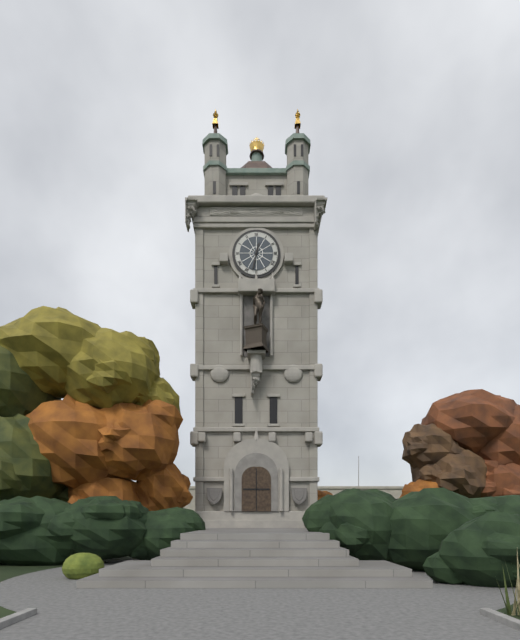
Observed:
12.32
